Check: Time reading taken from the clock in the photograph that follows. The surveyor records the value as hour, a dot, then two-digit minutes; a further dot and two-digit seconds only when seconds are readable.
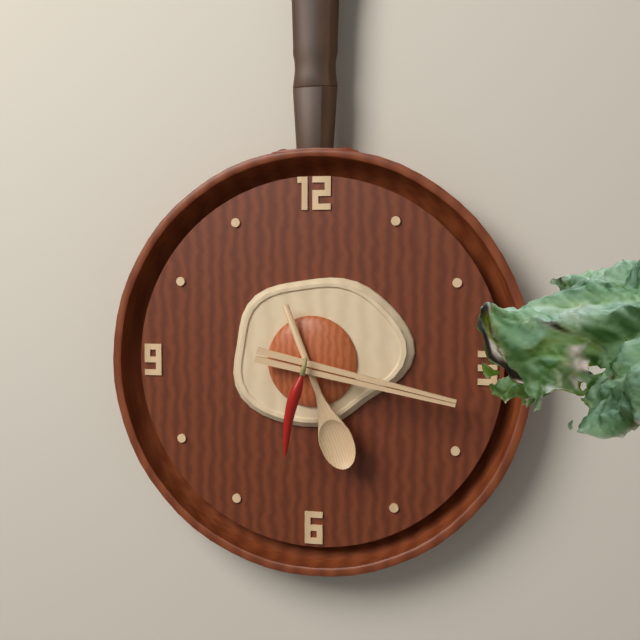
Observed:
5.17.32
